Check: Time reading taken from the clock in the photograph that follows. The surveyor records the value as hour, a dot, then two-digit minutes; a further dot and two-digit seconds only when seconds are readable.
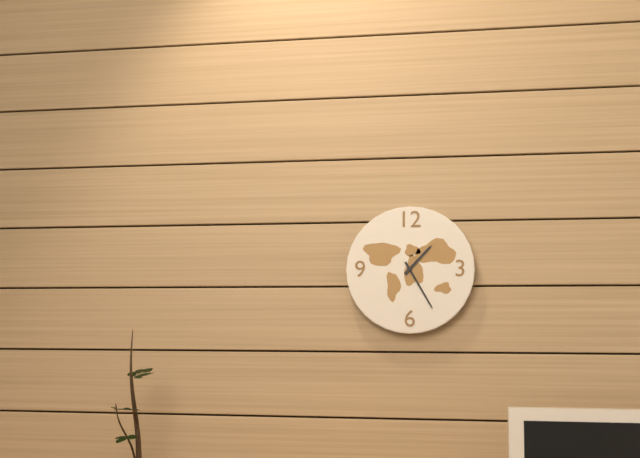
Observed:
1.25
